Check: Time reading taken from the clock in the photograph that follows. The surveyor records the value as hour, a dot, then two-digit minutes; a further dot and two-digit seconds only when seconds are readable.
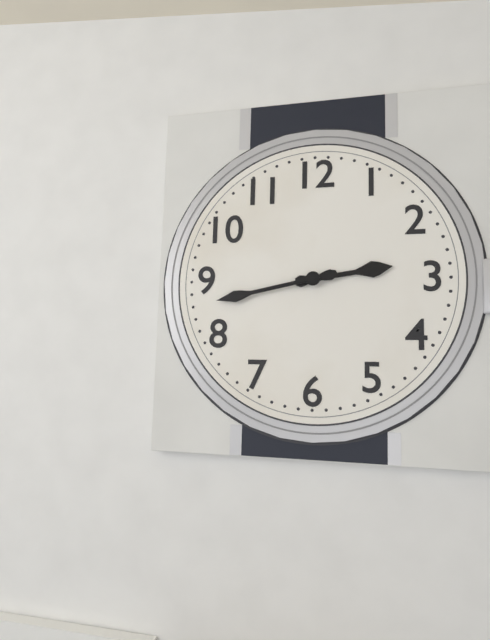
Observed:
2.43
